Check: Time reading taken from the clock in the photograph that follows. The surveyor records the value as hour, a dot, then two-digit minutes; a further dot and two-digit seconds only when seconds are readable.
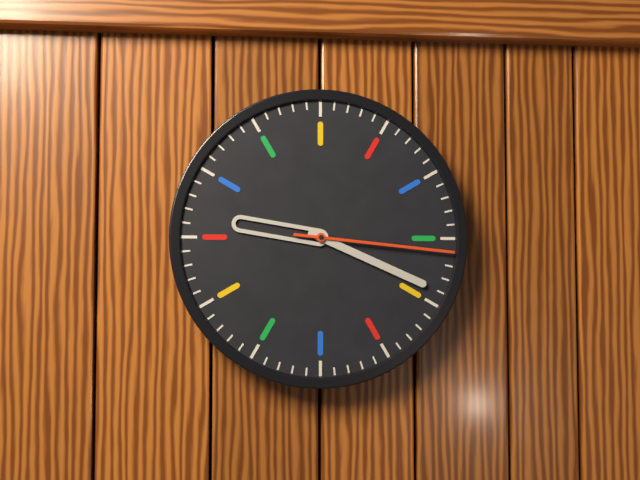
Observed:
9.19.16
